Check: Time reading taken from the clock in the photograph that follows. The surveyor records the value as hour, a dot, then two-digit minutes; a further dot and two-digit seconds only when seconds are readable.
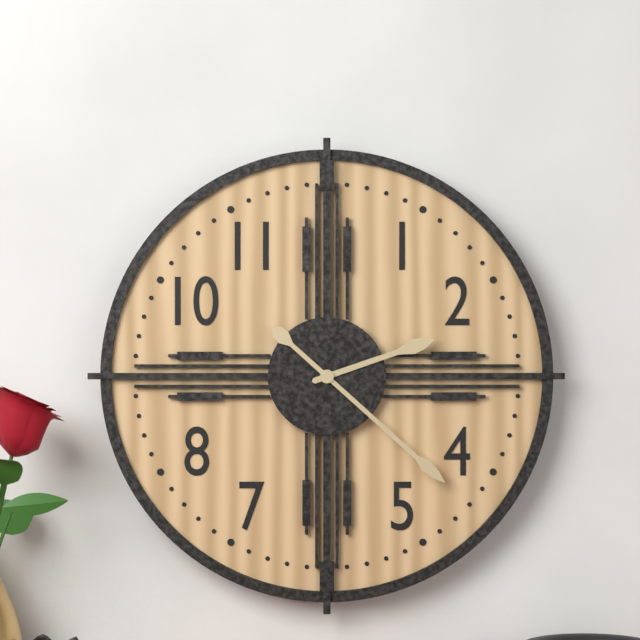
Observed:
2.22
